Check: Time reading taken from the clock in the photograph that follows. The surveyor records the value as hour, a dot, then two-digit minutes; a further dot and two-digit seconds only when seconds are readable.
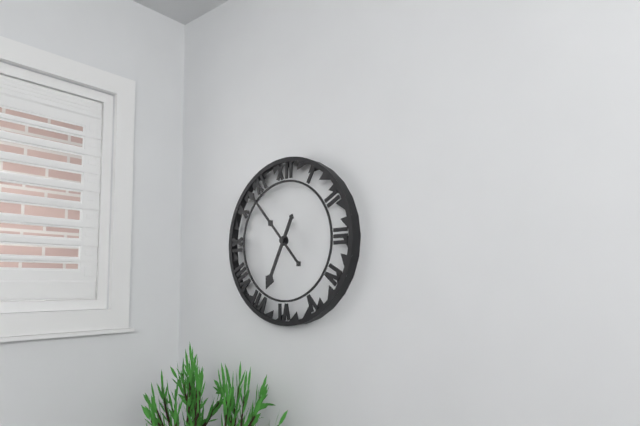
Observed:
6.53
